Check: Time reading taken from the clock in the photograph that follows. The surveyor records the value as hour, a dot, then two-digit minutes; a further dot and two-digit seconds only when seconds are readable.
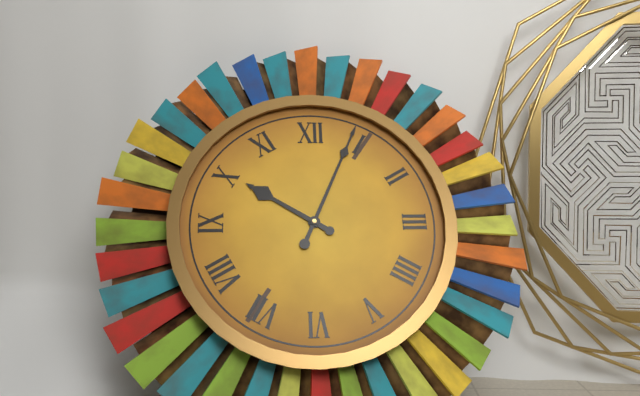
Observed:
10.04
